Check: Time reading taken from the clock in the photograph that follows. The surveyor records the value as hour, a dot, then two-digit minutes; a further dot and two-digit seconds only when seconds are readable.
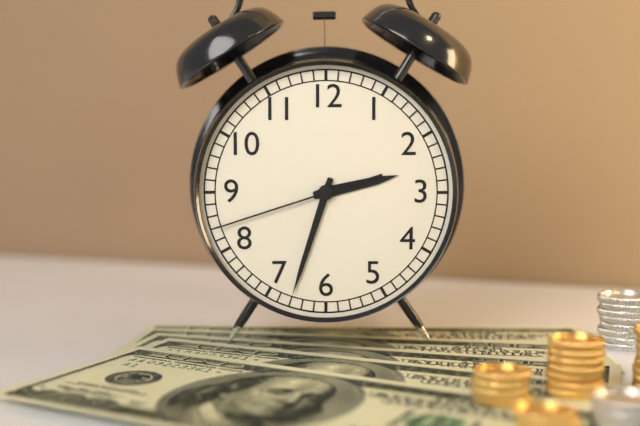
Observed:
2.33.42
